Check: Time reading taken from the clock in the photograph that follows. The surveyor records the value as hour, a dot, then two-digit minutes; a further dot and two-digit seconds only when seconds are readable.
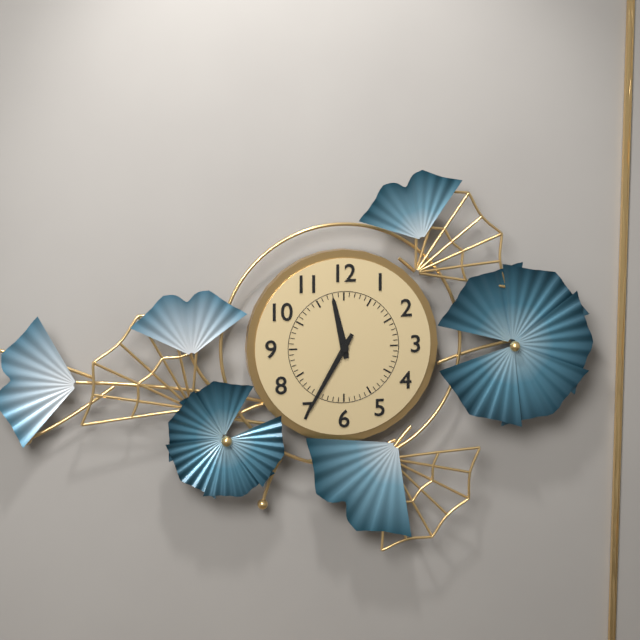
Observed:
11.35
